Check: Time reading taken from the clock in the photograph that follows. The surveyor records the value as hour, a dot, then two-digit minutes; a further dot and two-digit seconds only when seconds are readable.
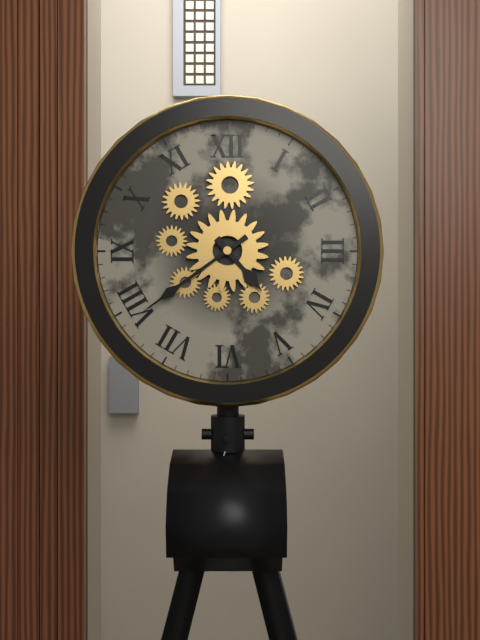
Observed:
4.39
